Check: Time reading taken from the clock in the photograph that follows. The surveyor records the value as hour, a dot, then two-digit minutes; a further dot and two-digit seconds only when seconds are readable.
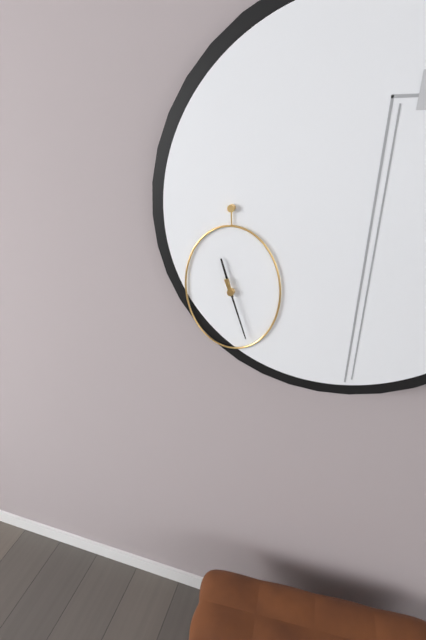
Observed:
11.27
